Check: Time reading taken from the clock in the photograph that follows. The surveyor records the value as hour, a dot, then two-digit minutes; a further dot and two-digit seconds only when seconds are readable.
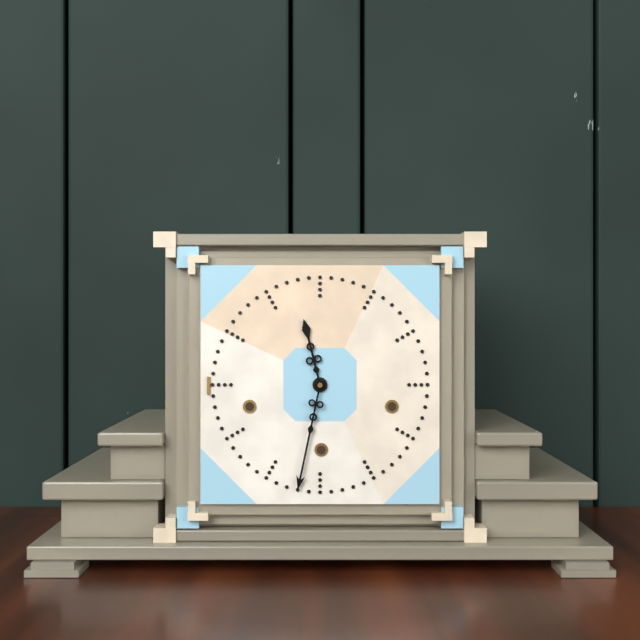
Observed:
11.32
